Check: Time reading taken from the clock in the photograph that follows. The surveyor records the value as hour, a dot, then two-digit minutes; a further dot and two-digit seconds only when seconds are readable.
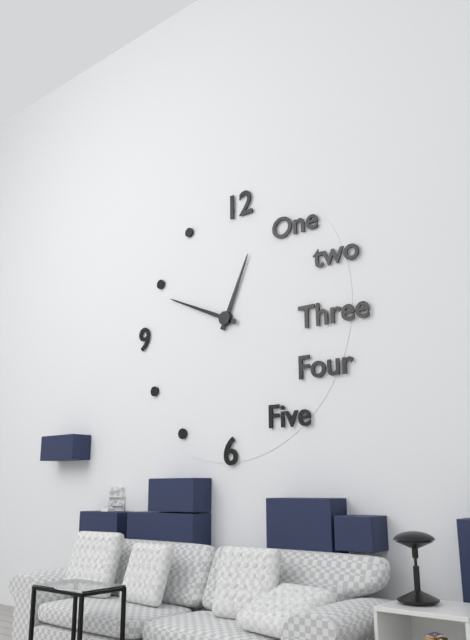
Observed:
12.49
